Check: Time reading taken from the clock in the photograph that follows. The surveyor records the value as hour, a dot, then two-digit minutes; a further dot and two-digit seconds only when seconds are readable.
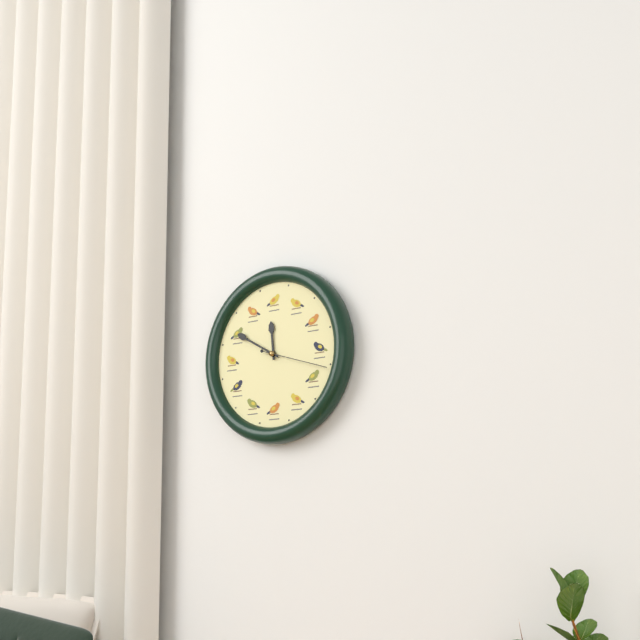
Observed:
11.50.18
